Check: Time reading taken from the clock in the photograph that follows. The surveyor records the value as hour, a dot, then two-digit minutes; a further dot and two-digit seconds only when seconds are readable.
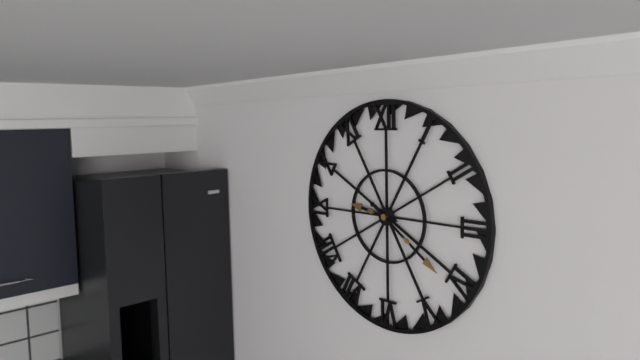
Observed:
9.21
